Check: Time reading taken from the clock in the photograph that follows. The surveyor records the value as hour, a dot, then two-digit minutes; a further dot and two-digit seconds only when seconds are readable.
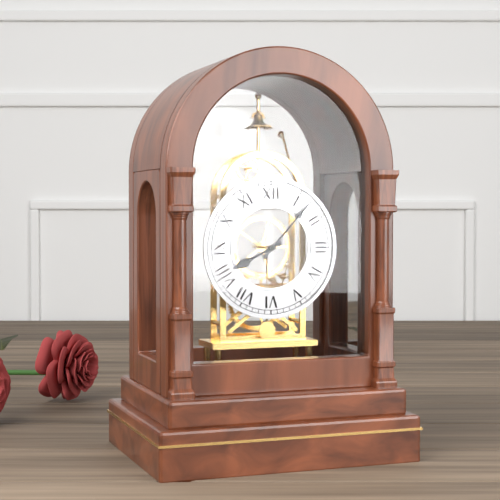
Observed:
8.07
